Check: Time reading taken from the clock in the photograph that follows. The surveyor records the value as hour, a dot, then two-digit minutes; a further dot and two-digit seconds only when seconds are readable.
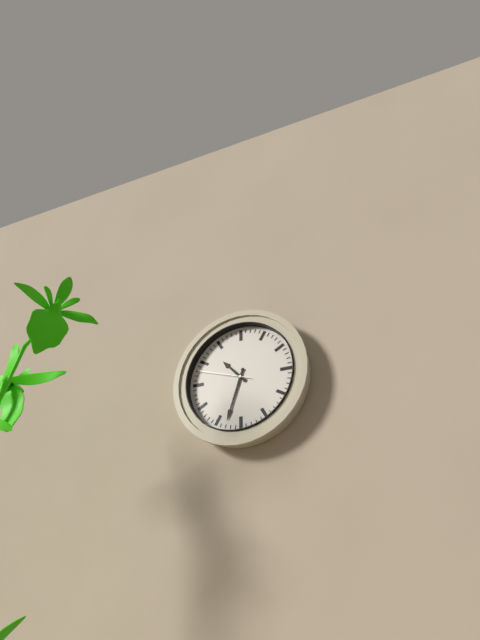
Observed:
10.33.48
